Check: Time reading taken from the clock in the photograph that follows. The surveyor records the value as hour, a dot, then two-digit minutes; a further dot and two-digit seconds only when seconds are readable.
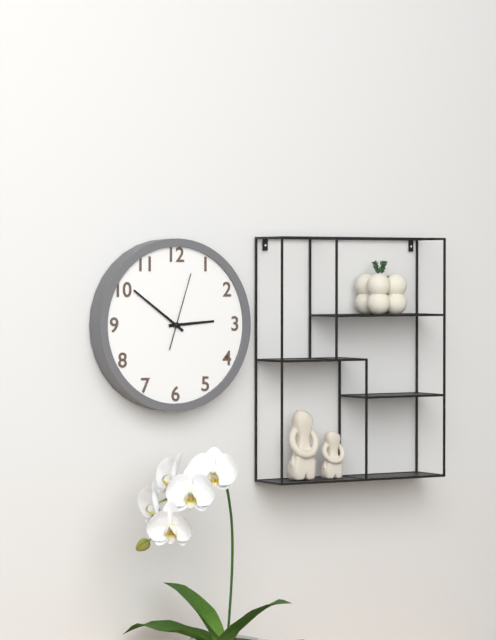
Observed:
2.51.03
